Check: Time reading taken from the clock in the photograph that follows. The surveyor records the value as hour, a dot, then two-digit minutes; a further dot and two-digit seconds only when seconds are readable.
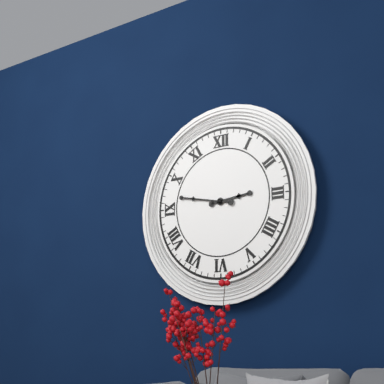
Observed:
2.47
